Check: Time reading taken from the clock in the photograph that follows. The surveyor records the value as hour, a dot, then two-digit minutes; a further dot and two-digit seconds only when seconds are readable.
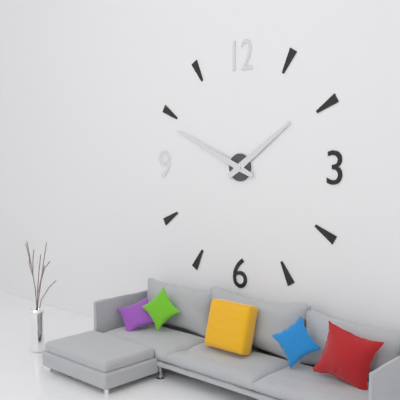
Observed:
1.49
